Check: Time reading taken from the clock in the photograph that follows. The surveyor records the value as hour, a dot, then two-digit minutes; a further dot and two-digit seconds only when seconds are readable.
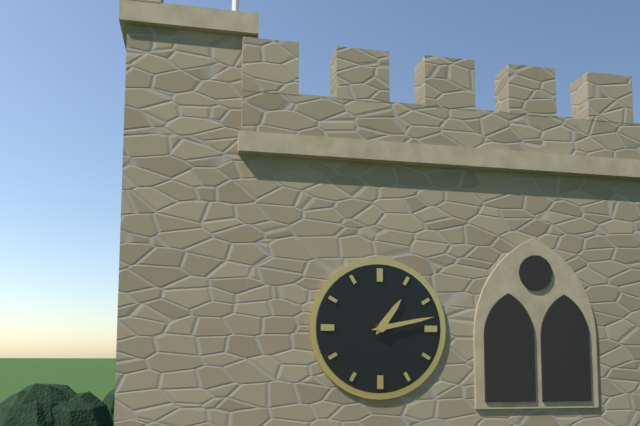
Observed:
1.13
